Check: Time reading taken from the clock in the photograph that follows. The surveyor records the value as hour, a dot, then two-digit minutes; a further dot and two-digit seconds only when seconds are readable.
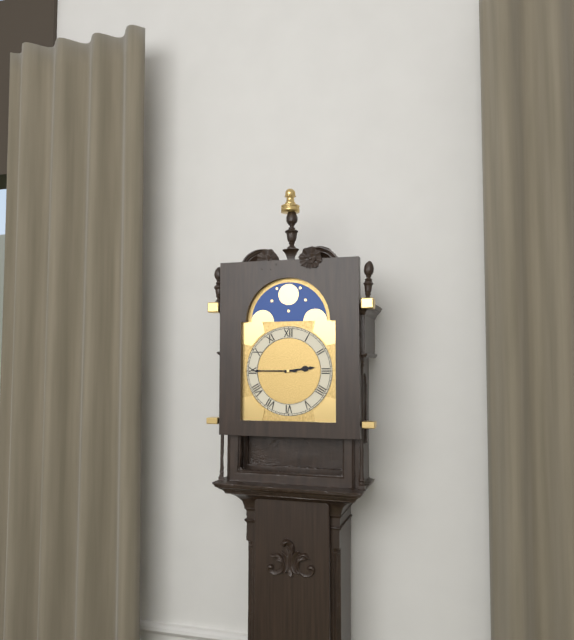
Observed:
2.45
